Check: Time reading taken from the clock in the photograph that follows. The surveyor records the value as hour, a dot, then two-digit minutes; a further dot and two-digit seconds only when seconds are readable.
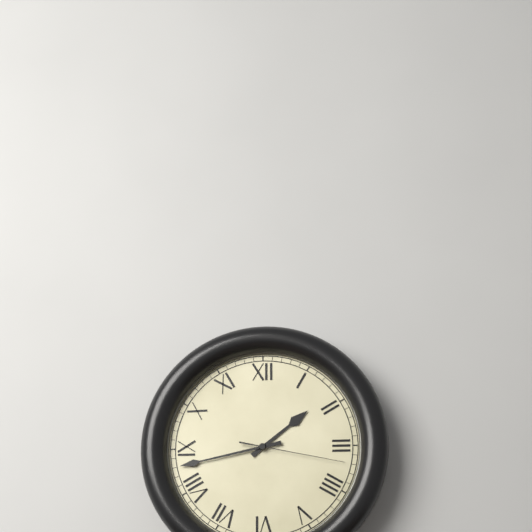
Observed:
1.43.17
